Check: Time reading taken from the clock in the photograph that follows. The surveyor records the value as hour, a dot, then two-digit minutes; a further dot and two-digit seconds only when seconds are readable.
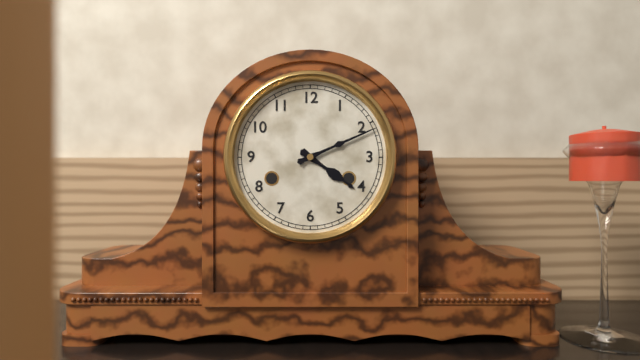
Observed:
4.11
